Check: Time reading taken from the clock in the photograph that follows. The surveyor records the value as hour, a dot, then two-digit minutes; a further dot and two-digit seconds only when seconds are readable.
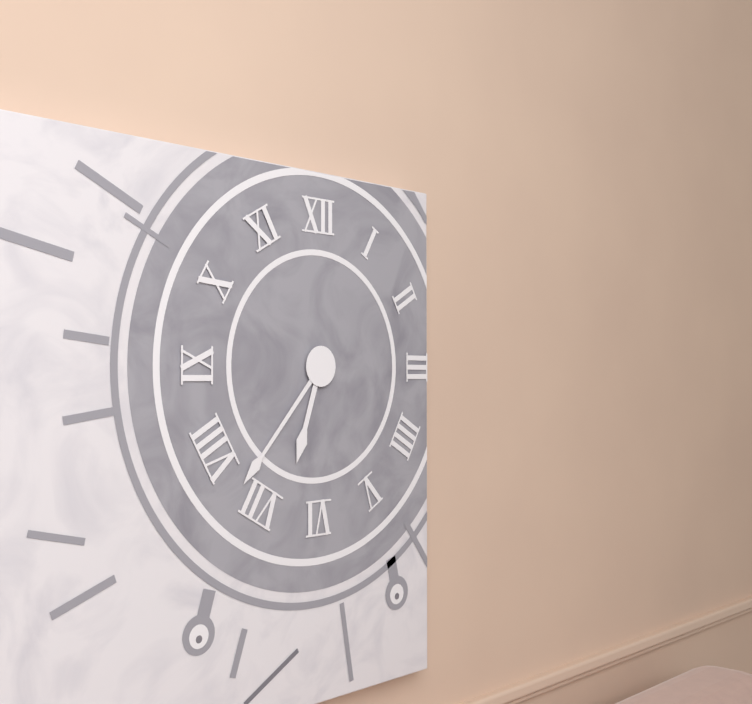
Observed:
6.37
